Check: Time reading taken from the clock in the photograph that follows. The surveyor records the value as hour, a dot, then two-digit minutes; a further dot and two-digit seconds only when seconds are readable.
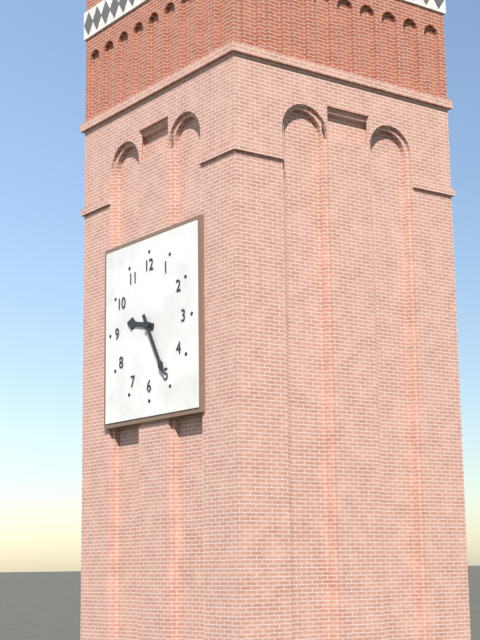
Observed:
9.25
